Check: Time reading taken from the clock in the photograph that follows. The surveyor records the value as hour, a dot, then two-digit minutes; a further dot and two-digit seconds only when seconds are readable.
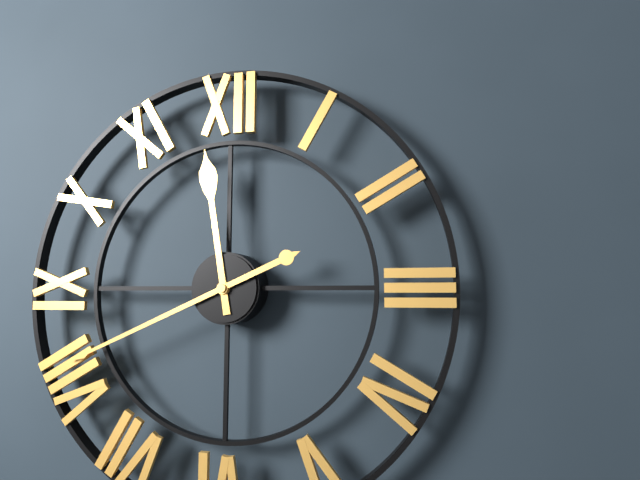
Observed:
11.41
